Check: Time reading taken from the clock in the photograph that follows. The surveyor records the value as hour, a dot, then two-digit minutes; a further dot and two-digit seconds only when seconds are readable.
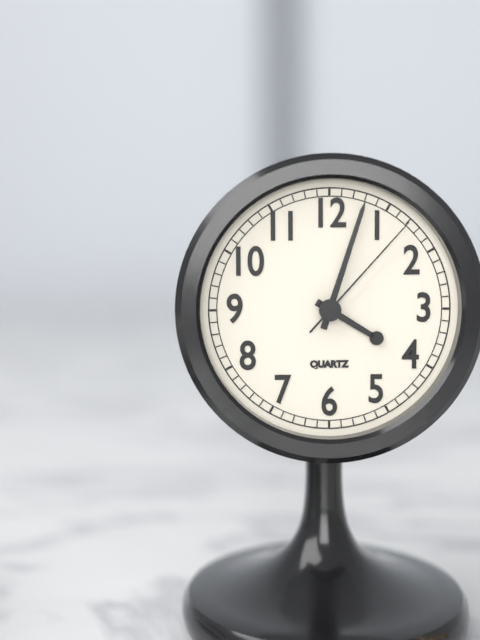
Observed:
4.03.07
